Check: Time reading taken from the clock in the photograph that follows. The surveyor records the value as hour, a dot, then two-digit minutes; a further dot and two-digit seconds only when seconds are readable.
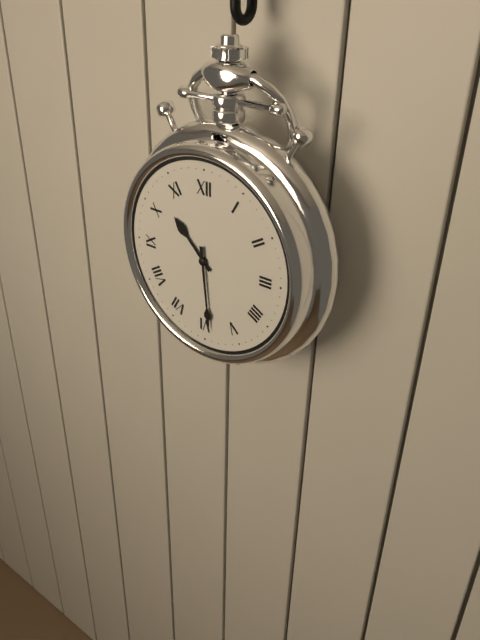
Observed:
10.29
